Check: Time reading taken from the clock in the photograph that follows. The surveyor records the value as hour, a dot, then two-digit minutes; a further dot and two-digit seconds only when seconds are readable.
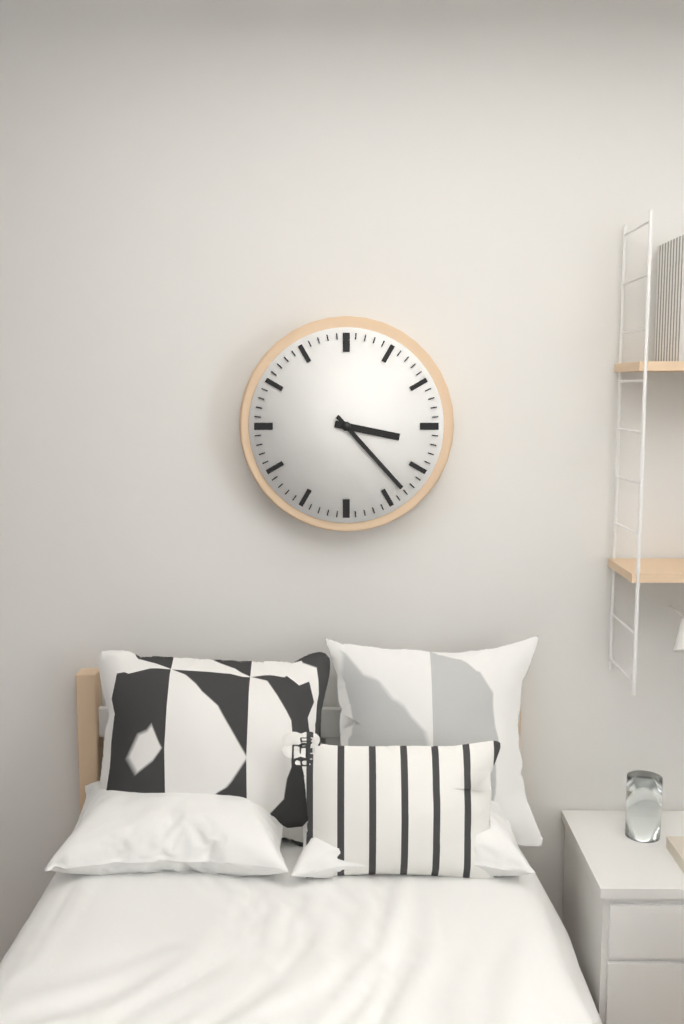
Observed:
3.23
